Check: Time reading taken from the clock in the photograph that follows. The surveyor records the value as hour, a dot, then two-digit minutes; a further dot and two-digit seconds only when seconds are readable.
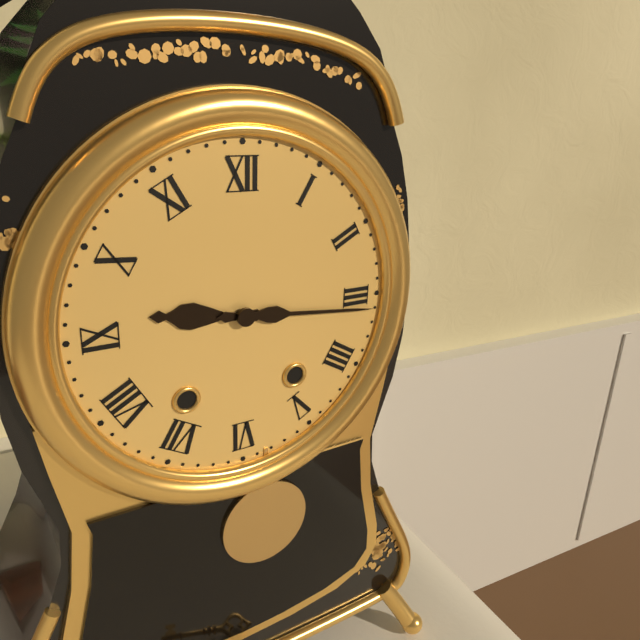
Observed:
9.16
